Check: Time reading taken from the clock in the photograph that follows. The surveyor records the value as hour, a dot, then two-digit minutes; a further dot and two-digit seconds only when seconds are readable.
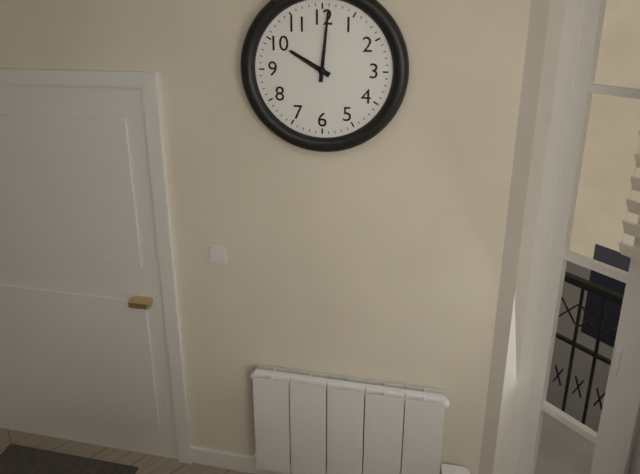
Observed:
10.01
